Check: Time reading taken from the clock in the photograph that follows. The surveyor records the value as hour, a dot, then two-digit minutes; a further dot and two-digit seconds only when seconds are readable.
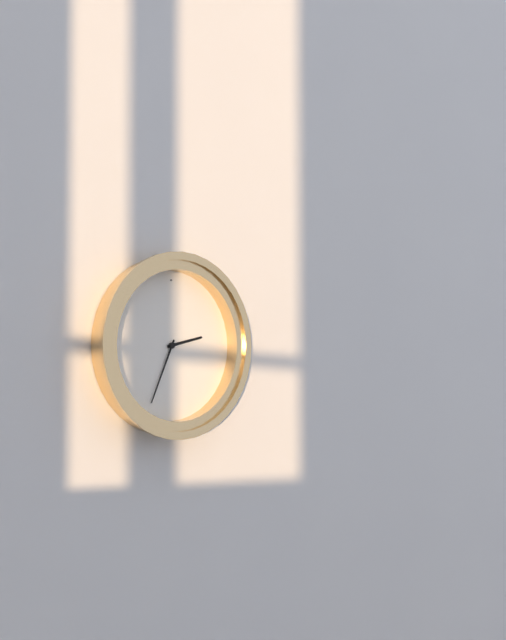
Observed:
2.34
